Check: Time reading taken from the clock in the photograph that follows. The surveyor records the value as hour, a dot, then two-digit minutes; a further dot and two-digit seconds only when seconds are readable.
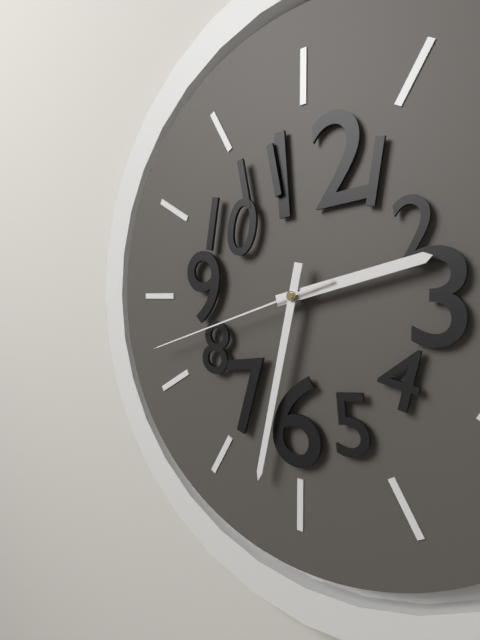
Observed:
2.32.42
